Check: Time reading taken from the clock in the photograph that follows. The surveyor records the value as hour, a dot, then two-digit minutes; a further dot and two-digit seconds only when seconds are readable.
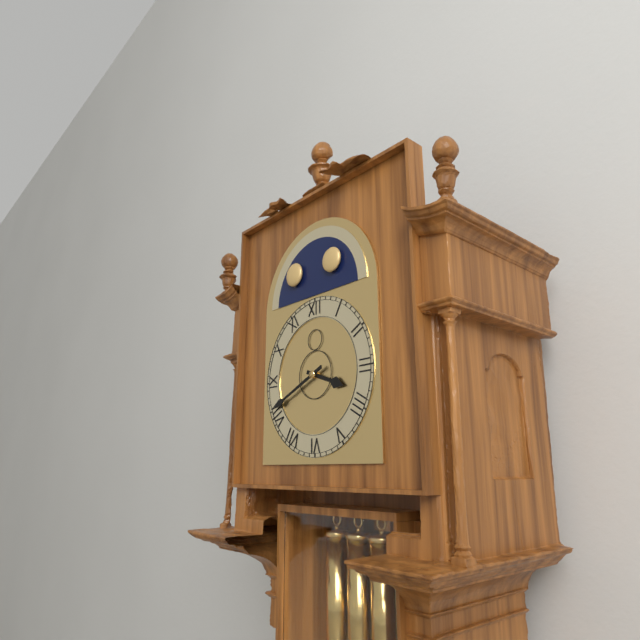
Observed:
3.41
